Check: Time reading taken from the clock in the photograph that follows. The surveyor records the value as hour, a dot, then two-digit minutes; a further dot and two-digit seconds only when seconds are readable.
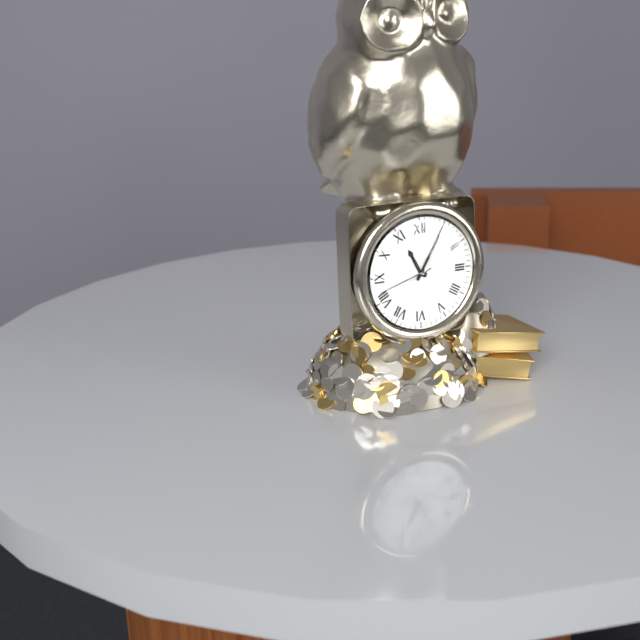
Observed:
11.05
